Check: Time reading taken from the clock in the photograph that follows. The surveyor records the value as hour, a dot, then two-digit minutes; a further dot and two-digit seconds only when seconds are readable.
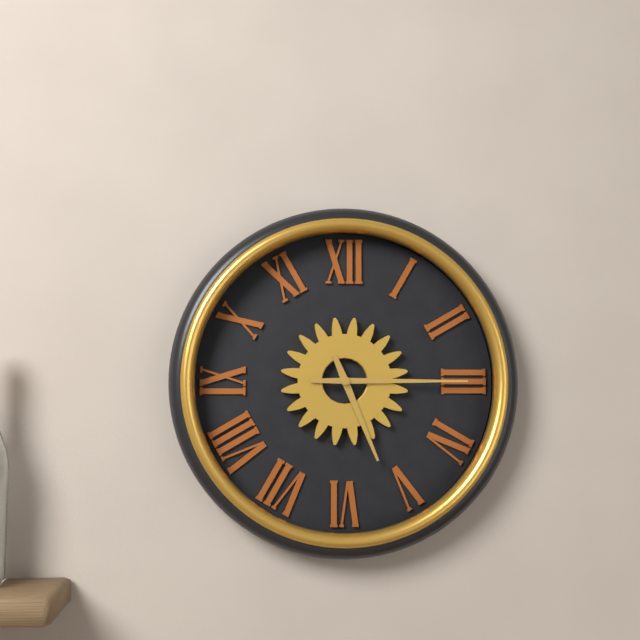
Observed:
5.15
